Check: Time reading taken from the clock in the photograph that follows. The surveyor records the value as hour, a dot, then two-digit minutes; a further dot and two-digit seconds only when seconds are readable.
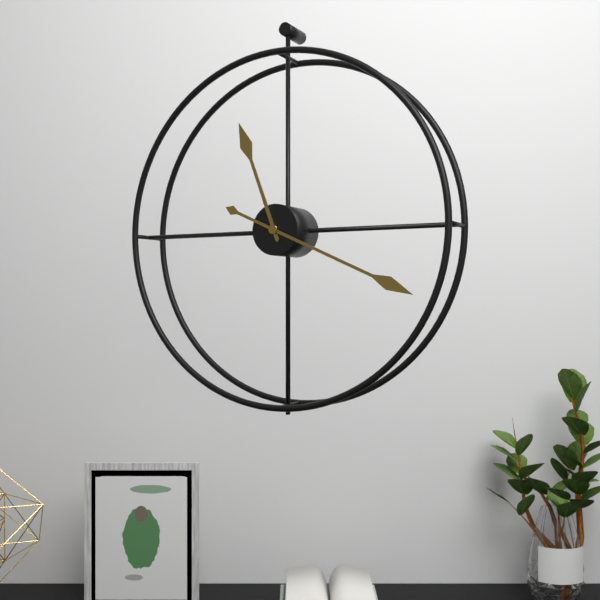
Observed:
11.19
